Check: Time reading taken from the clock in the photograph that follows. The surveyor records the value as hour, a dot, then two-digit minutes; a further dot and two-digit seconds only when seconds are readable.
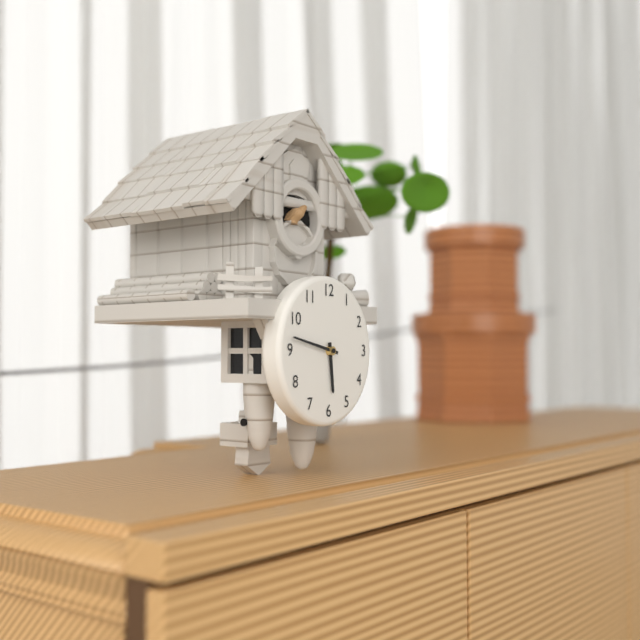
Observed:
5.47
